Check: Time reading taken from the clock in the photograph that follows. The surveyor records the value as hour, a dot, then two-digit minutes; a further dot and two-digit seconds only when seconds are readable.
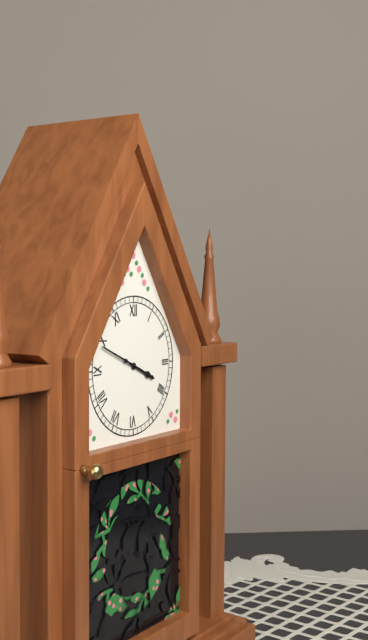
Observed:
3.49
